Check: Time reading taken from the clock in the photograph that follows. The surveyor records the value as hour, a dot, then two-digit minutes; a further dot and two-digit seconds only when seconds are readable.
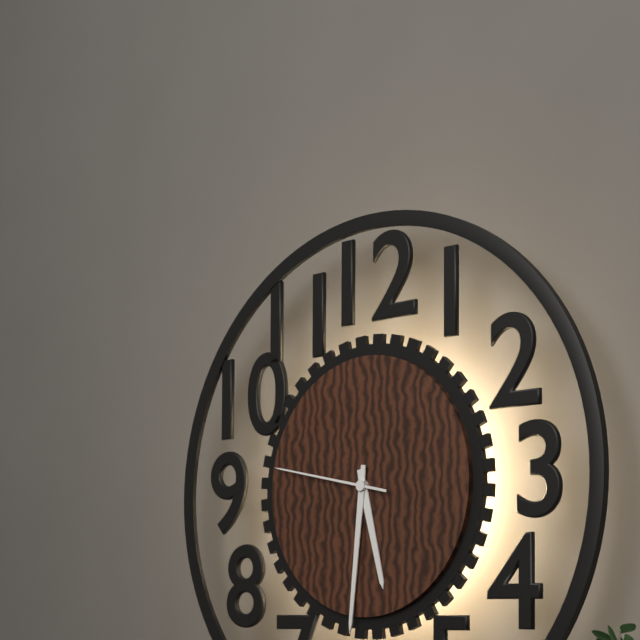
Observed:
5.31.47
